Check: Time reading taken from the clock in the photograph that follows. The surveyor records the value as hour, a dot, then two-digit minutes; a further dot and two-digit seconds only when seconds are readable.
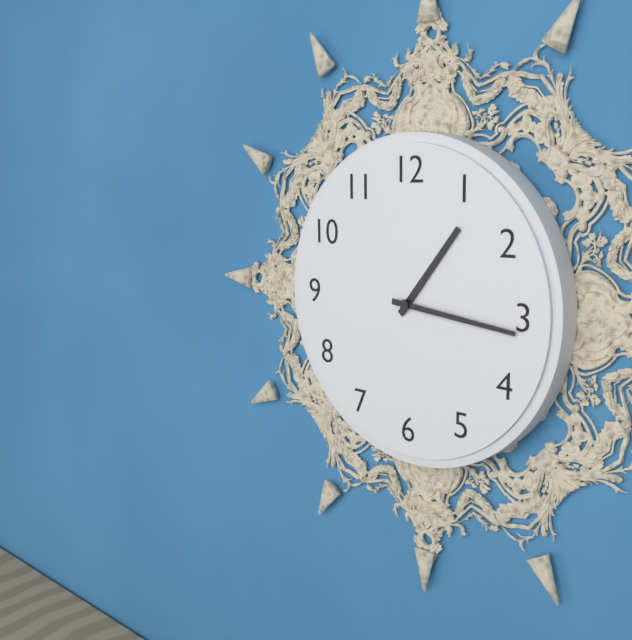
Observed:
1.16
